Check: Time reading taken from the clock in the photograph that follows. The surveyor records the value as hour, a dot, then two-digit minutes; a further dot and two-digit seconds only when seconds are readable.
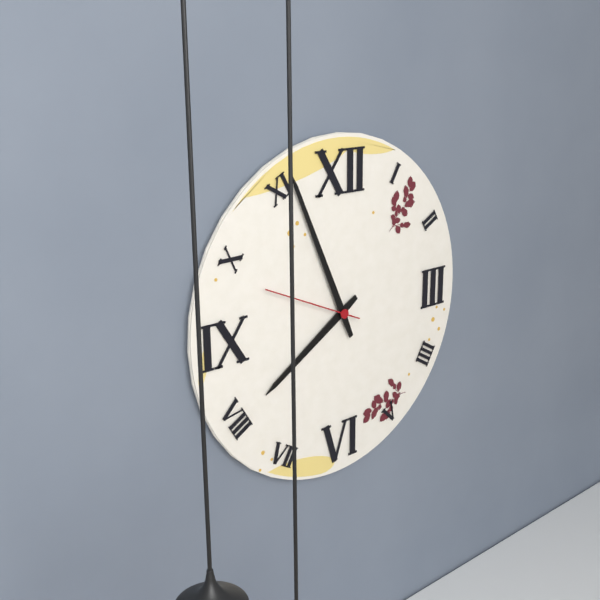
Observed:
7.56.49
